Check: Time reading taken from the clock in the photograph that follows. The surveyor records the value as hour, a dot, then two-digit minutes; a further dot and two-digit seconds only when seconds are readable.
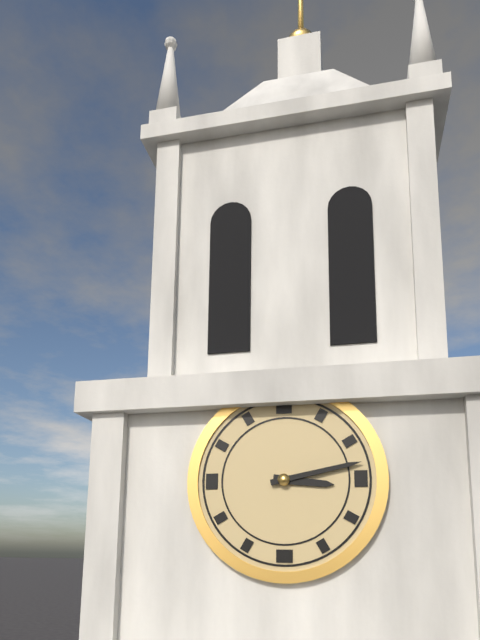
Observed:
3.13
